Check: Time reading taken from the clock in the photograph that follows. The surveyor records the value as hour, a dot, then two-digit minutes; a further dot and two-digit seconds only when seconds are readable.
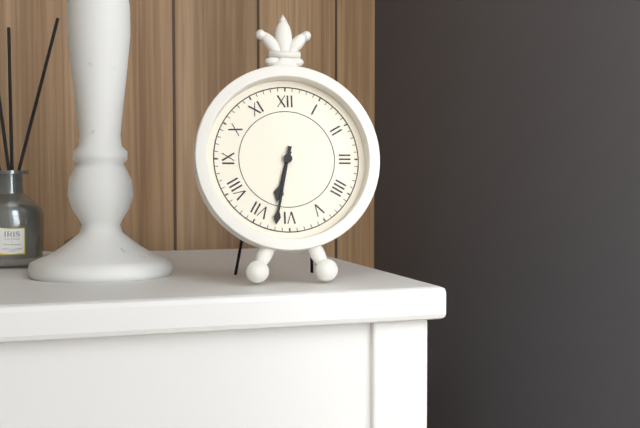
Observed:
6.32
